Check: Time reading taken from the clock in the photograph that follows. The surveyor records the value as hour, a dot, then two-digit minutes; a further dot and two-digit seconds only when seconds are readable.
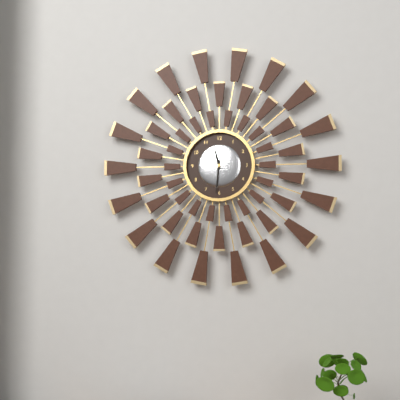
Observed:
11.31
